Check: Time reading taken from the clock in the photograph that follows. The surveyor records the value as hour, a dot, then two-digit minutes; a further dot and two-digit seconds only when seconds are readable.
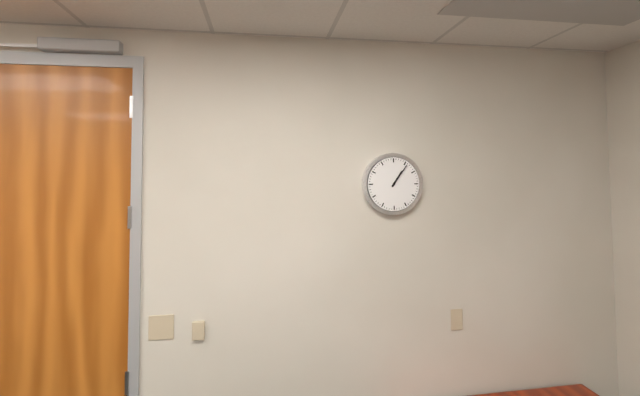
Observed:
1.06
